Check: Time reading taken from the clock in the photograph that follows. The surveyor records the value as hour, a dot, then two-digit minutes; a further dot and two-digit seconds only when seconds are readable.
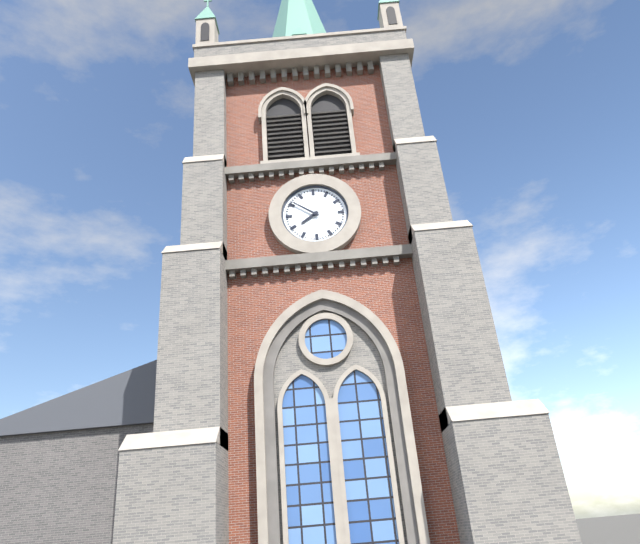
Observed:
7.51
